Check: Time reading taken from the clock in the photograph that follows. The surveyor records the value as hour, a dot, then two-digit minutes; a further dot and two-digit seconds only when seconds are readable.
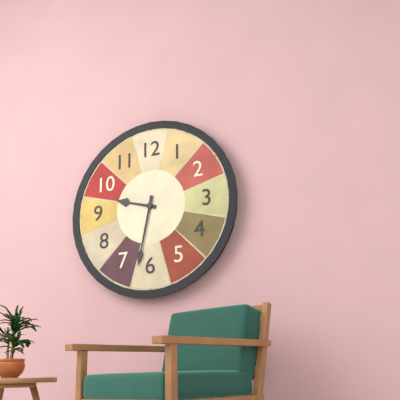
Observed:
9.32
